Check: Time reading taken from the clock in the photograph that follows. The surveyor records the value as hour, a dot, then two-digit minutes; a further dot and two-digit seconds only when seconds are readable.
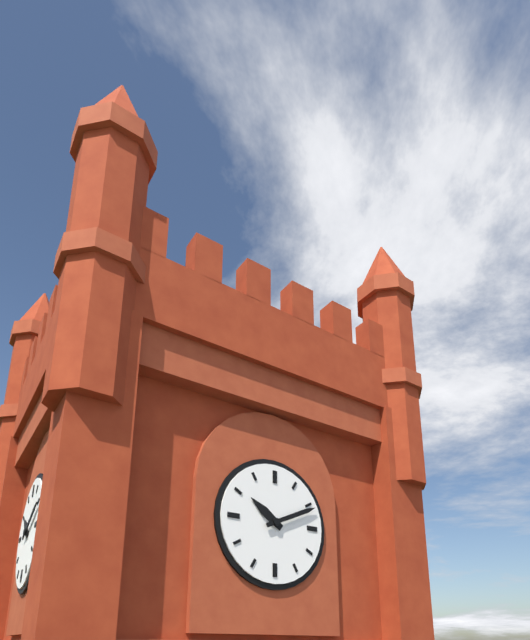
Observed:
10.11
